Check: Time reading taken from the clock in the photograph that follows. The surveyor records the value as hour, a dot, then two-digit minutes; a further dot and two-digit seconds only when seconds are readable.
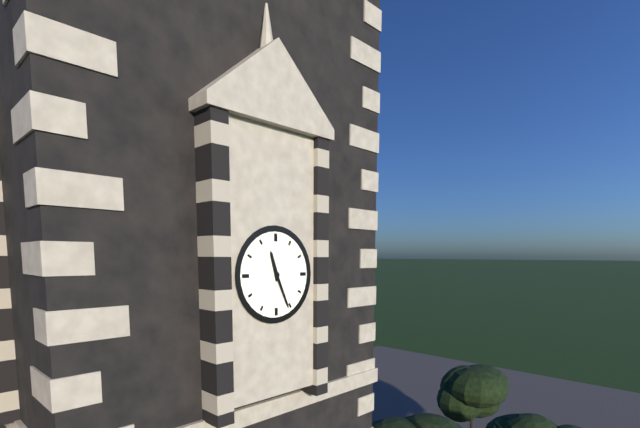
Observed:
11.26
